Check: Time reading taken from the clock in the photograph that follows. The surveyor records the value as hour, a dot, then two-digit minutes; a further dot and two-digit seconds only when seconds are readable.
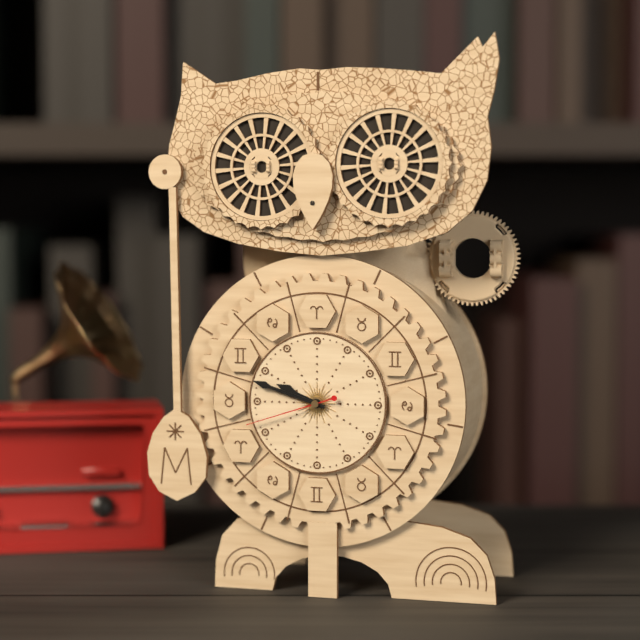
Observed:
9.48.42
